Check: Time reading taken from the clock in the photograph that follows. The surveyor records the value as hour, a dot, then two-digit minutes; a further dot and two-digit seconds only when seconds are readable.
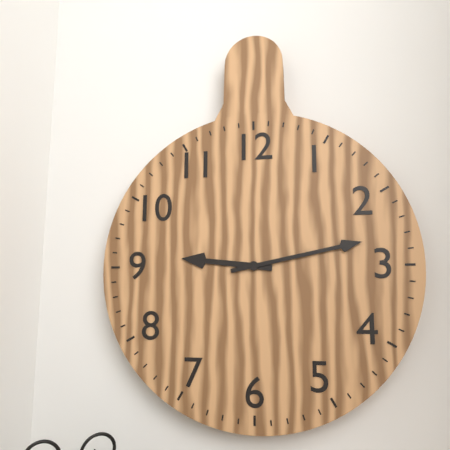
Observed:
9.13
